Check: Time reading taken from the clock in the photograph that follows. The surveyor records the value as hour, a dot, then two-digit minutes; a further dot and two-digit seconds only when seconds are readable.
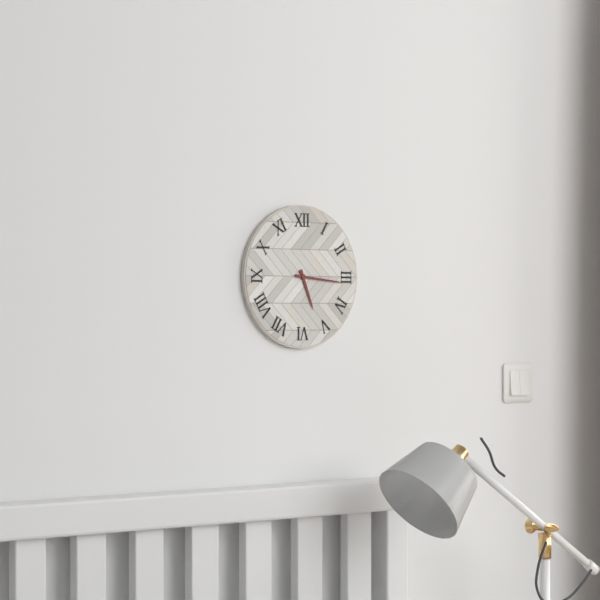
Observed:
5.16
